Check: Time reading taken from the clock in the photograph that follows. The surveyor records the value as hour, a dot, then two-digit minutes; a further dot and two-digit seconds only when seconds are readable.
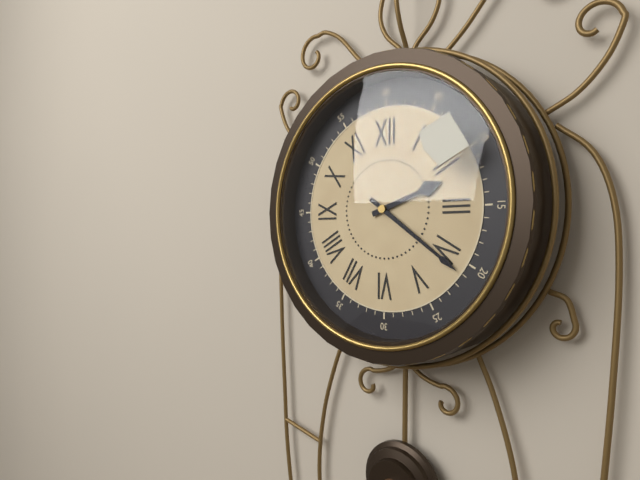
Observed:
2.21
